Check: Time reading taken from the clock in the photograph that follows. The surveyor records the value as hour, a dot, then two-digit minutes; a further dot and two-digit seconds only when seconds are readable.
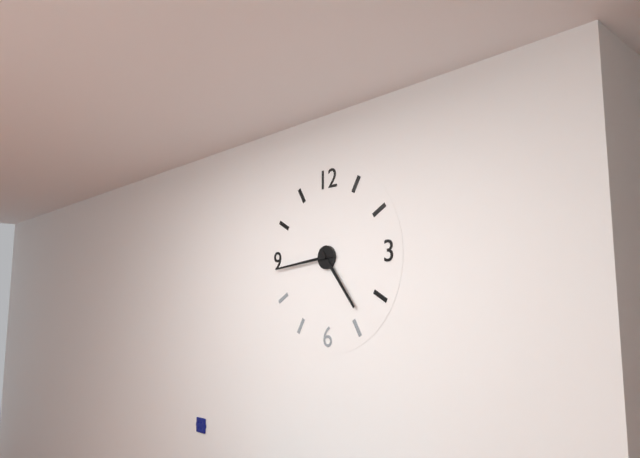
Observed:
4.44
